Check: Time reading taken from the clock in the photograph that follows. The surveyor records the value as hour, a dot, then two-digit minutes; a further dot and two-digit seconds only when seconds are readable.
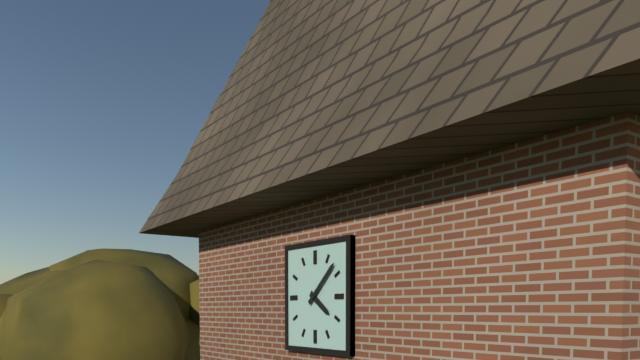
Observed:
4.08
